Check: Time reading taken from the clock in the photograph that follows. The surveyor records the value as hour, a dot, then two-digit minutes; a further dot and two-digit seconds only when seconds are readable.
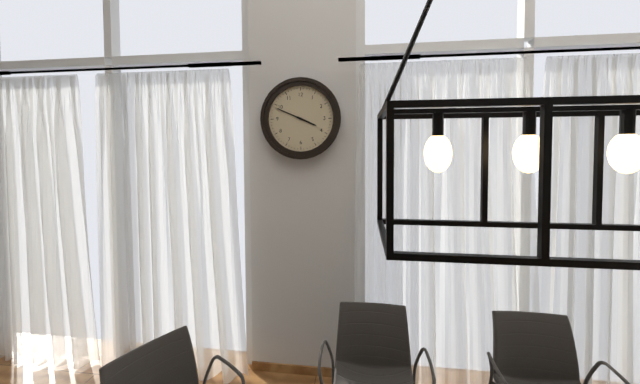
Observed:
3.49
